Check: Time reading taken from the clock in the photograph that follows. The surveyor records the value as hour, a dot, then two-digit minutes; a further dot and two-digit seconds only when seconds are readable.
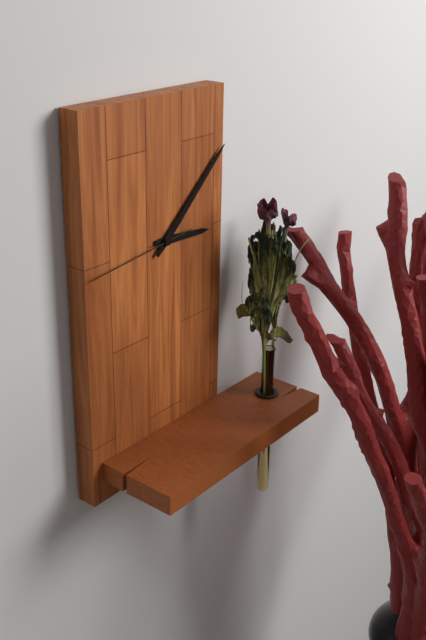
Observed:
3.08.44
